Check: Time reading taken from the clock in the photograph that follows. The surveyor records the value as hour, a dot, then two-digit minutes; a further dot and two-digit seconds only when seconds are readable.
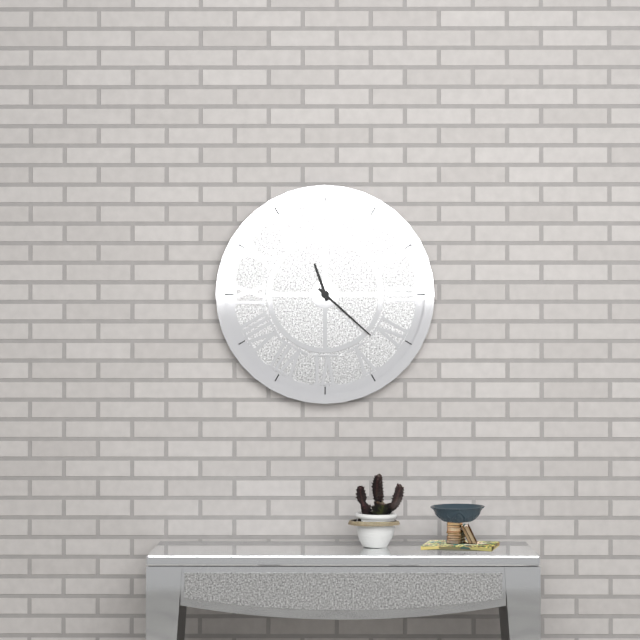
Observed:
11.22
